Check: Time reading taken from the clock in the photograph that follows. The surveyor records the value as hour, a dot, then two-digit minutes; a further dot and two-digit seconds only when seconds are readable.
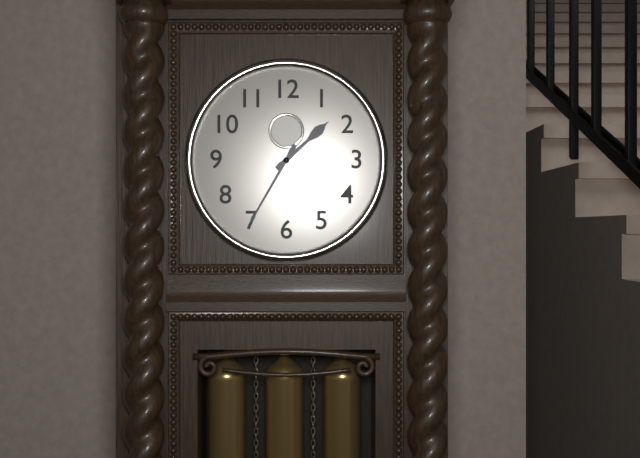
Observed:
1.35
